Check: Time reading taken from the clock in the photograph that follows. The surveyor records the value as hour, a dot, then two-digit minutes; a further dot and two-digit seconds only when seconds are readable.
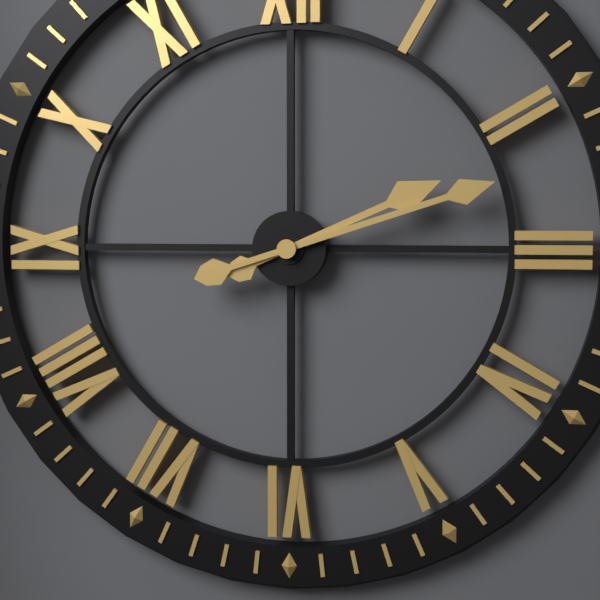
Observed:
2.12
